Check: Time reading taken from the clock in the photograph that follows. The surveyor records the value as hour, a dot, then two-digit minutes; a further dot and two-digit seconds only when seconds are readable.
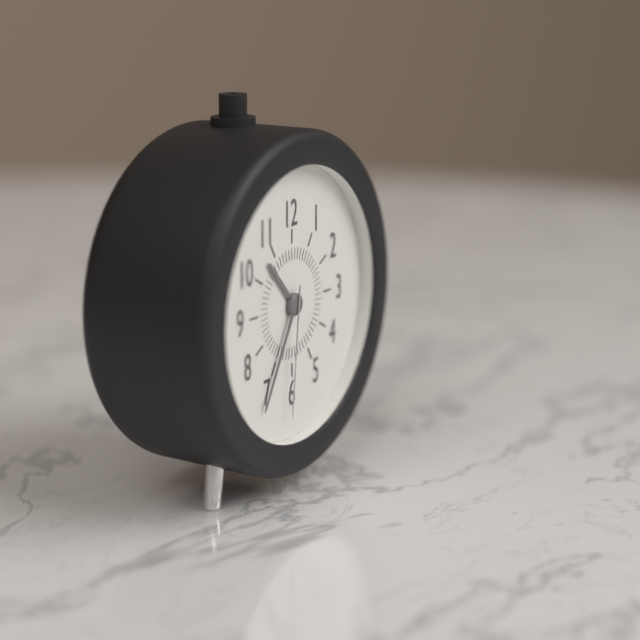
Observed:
10.35.31
